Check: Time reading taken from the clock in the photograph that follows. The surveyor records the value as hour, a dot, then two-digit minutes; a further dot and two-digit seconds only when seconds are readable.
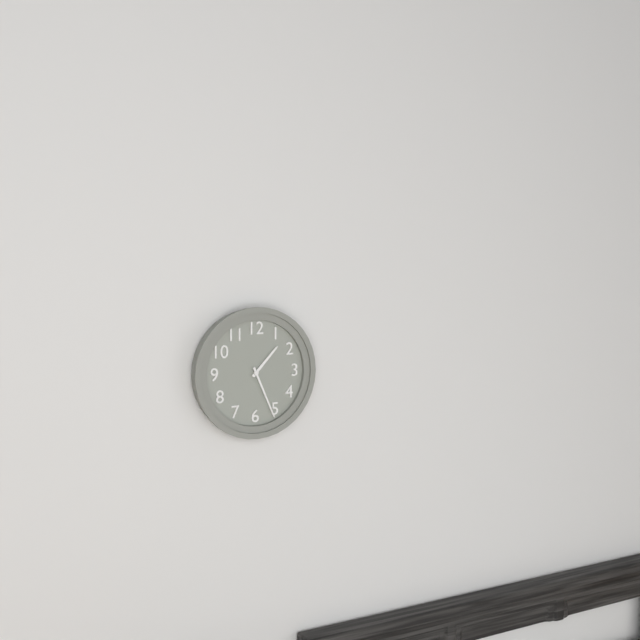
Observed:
1.26
